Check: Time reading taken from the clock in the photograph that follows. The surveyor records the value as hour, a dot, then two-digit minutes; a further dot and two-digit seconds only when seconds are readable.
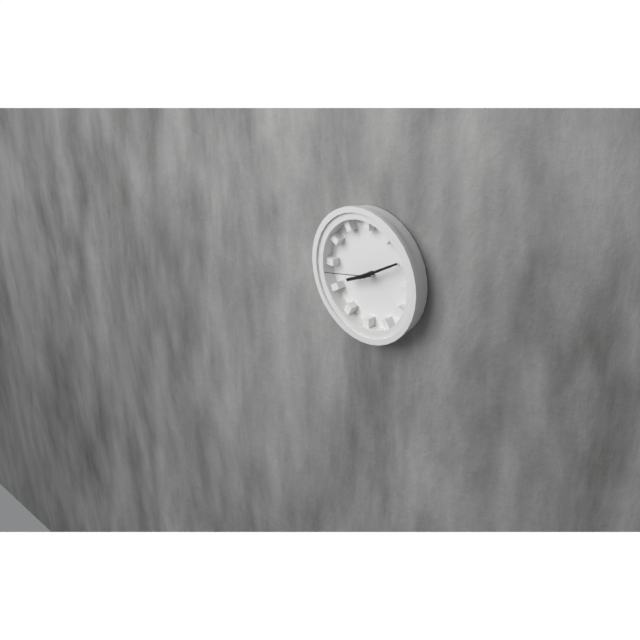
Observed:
8.10.43
